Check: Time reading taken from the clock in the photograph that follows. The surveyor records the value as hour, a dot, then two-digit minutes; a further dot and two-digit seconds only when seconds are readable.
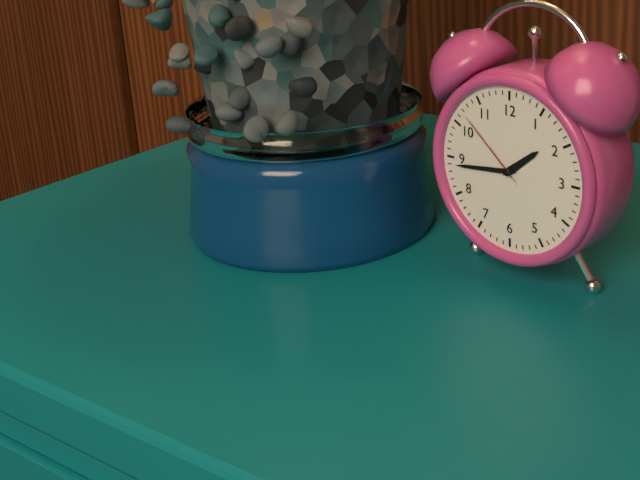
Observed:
1.44.52
